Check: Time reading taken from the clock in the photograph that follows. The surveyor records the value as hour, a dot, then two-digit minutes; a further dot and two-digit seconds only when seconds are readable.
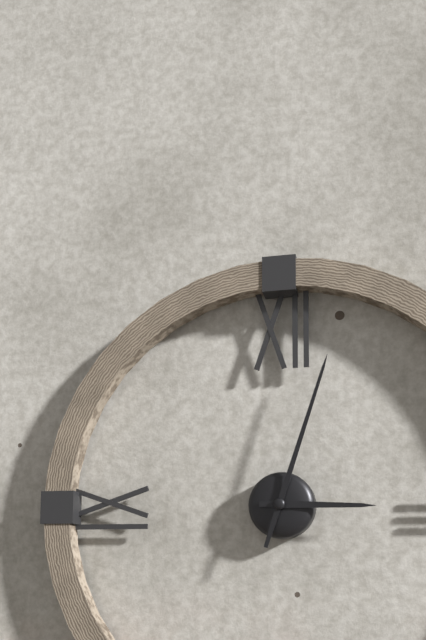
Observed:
3.03
